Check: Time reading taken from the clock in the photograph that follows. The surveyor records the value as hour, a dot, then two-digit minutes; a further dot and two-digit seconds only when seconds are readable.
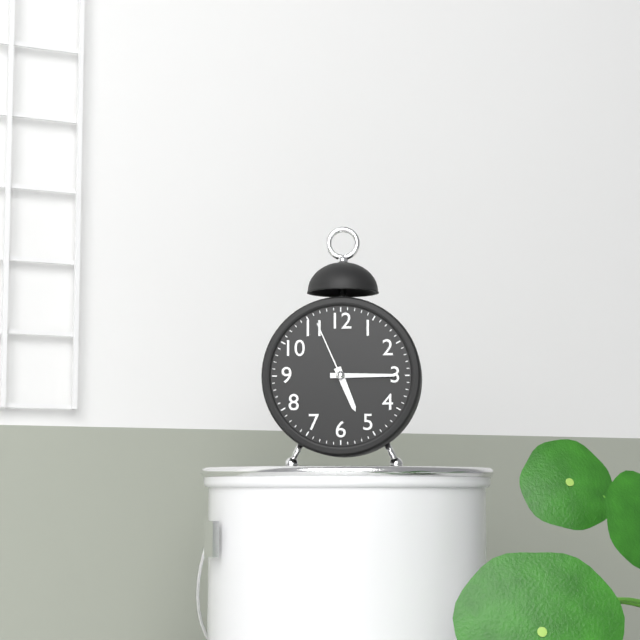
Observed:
5.15.56
